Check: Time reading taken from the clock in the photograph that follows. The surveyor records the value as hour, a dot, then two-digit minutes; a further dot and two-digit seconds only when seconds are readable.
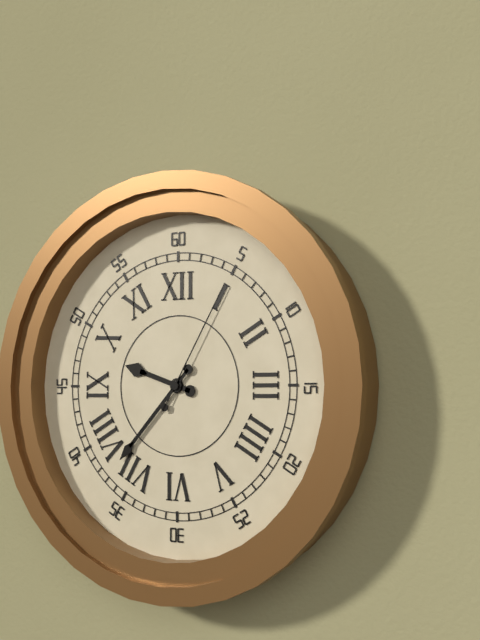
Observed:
9.37.05
